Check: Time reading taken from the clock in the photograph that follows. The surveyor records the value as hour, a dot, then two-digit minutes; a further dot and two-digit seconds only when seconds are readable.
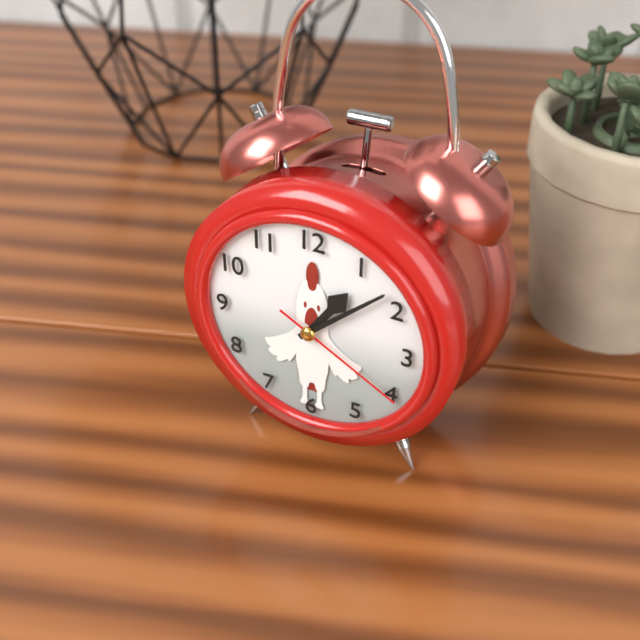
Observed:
1.08.20
